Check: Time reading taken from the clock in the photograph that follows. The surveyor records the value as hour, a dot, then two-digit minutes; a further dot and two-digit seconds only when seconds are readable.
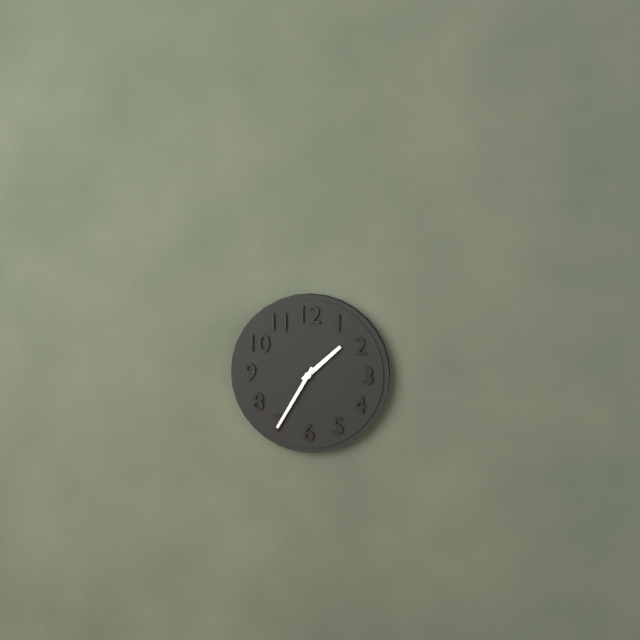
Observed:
1.35
